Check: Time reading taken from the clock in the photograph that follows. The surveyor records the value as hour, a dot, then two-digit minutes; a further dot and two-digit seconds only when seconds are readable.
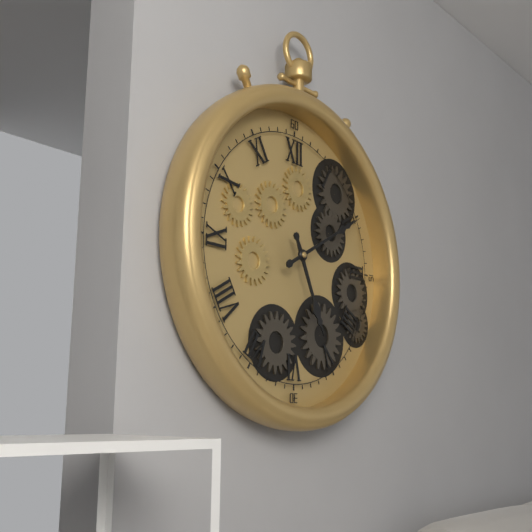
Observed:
5.10
